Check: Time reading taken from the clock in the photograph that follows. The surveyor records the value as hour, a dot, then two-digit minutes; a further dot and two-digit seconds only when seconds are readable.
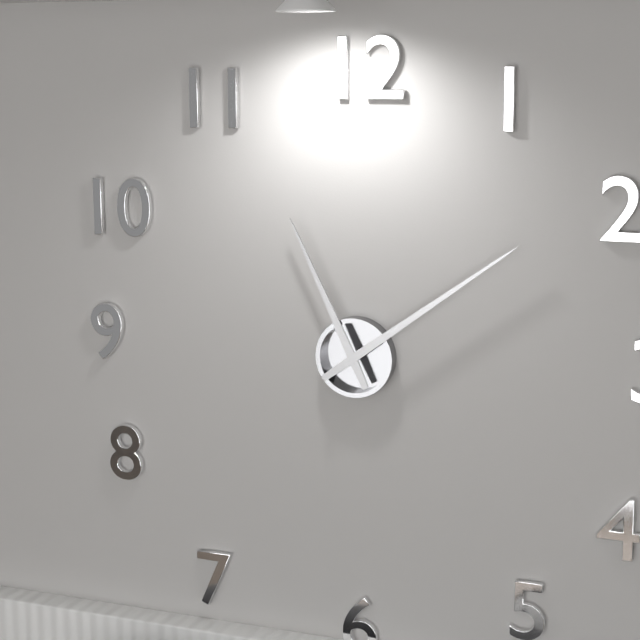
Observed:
11.09
